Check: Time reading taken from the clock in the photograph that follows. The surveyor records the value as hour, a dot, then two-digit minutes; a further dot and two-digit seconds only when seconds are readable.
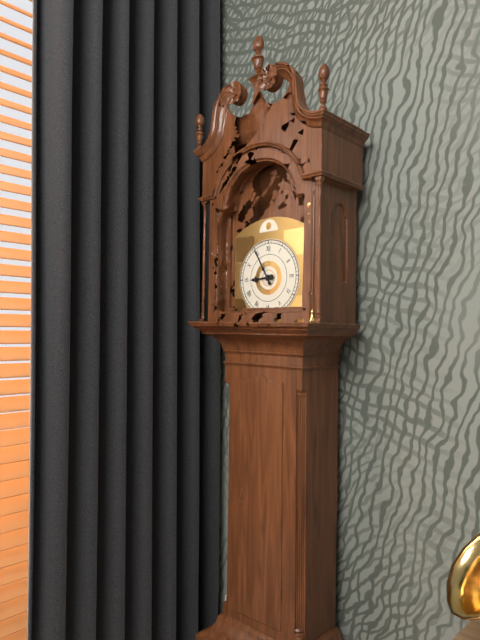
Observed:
8.55
